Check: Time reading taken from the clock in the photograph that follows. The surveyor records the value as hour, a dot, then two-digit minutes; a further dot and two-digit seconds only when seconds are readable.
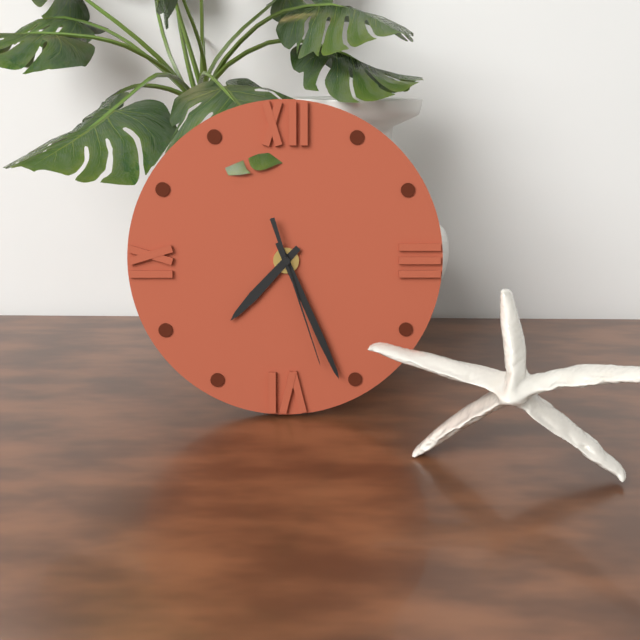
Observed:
7.26.27
